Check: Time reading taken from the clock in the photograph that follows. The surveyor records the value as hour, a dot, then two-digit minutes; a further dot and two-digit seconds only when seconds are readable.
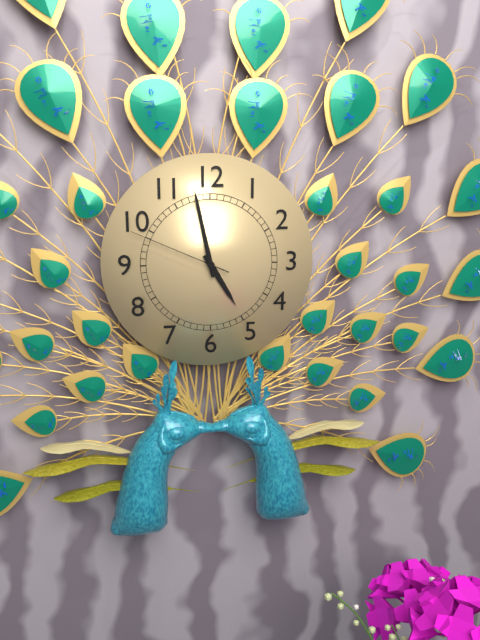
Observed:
4.58.49
